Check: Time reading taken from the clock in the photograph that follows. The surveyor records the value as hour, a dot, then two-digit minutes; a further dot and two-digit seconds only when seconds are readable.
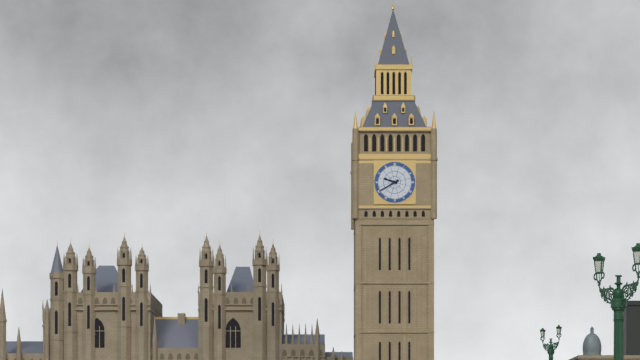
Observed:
9.40
